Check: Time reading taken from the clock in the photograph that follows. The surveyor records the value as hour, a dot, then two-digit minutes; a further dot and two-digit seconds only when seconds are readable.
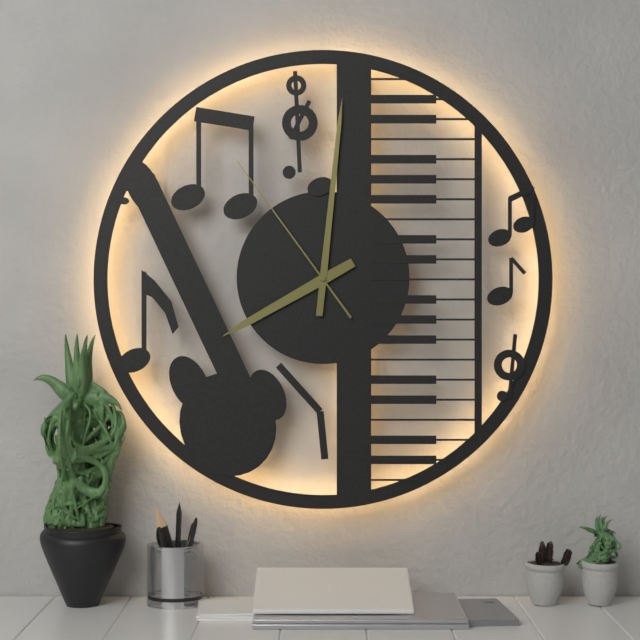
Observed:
8.01.54
